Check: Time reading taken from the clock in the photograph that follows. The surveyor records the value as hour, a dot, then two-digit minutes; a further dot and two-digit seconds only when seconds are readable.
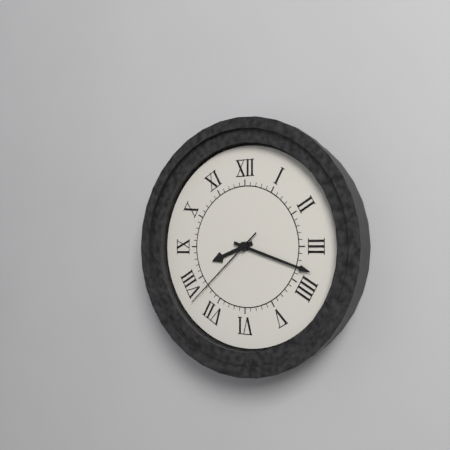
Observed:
8.18.38
